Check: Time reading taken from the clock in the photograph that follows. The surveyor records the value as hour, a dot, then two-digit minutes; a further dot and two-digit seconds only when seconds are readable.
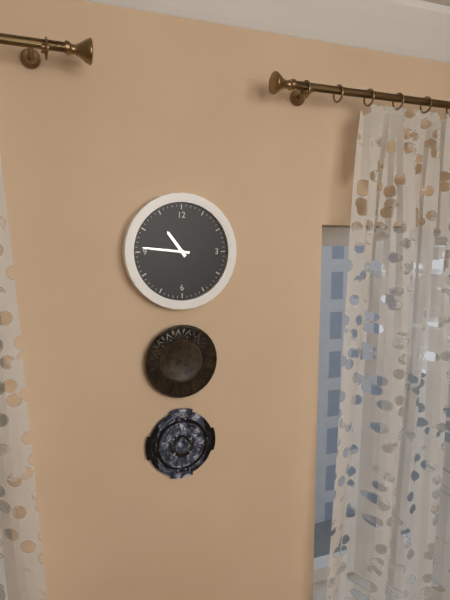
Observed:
10.46
